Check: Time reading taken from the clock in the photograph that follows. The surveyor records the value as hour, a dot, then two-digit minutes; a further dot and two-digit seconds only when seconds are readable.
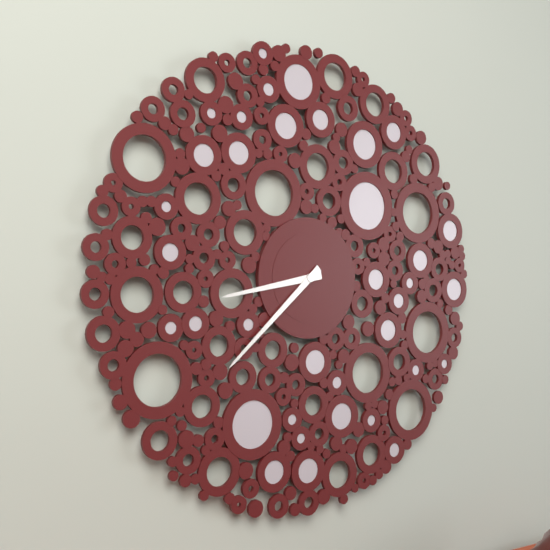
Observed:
8.38
